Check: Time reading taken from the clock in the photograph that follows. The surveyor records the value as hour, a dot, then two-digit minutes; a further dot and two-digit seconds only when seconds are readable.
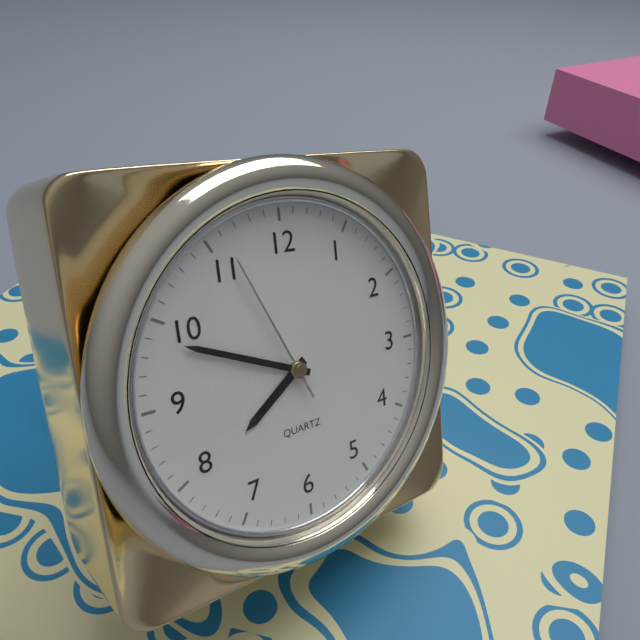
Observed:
7.49.56
